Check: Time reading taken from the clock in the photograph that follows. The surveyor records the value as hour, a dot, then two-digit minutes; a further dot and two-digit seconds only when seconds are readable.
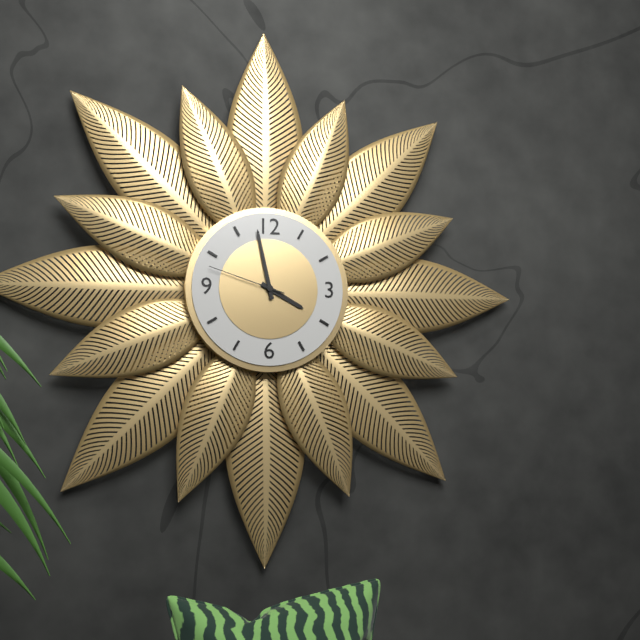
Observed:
3.58.48
